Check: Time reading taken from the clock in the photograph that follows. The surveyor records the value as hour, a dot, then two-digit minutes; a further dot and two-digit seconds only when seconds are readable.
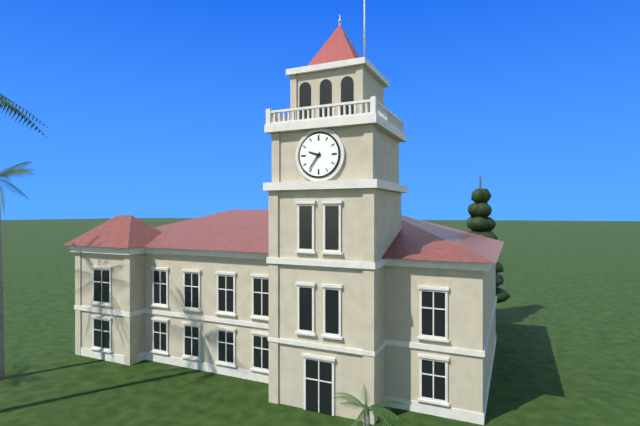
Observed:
9.36
